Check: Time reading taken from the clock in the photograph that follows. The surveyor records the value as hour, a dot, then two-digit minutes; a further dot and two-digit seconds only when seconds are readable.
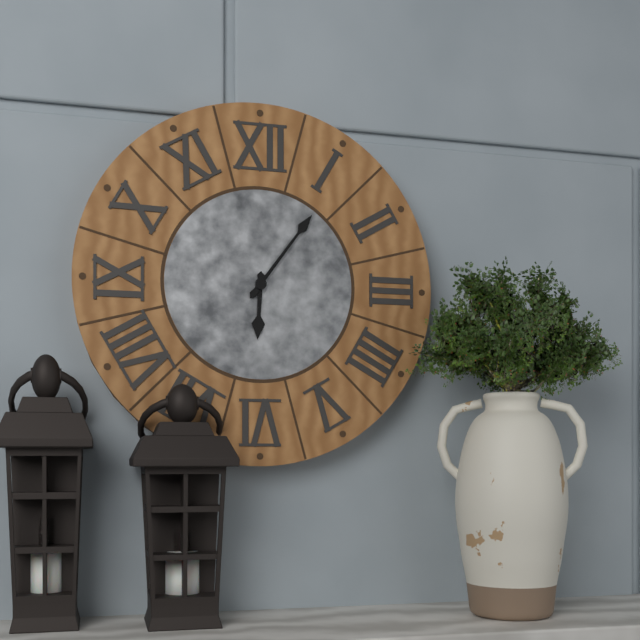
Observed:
6.06
